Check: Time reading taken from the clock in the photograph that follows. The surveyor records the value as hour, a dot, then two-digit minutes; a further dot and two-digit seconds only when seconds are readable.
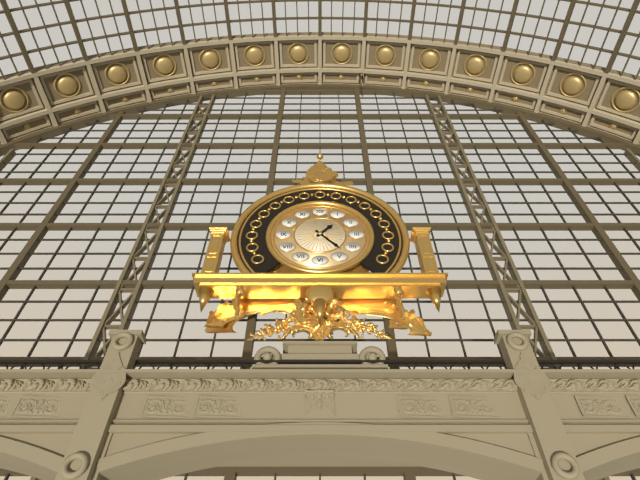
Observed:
1.23
